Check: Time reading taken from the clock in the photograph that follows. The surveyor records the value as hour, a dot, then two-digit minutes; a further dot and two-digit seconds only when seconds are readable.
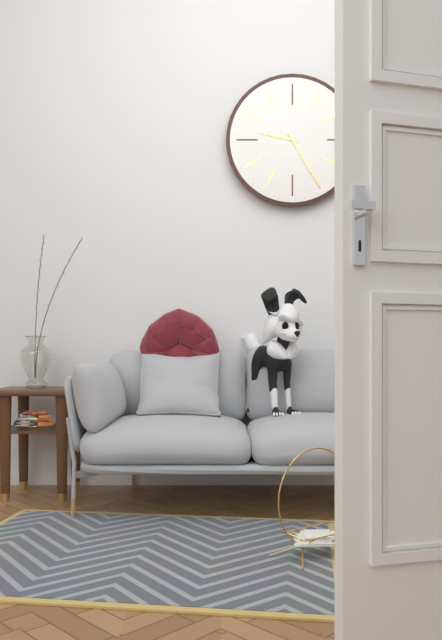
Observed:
9.25
